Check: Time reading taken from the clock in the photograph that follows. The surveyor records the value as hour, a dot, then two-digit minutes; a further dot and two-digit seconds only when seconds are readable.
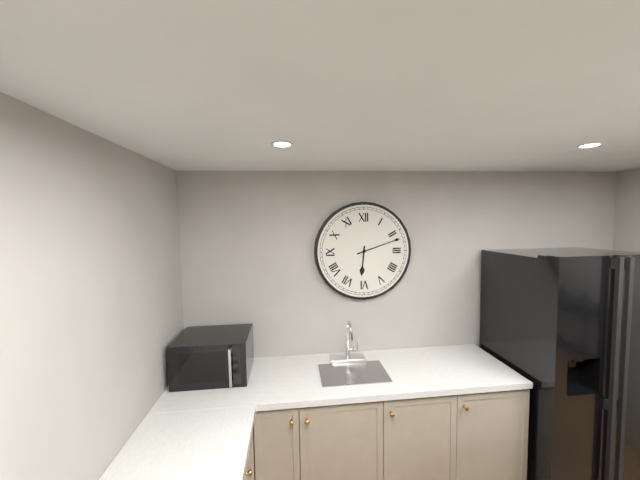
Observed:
6.12
